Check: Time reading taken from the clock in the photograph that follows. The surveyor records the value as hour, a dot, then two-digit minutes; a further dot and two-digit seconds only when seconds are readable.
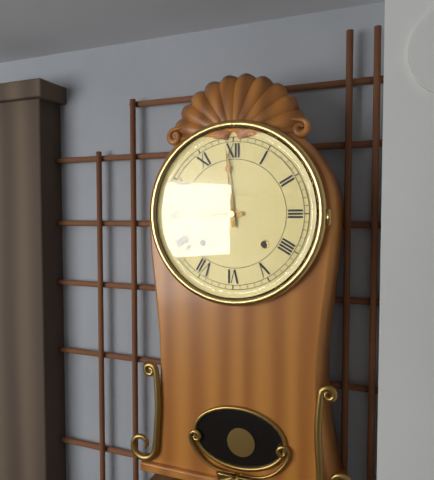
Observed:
8.59
